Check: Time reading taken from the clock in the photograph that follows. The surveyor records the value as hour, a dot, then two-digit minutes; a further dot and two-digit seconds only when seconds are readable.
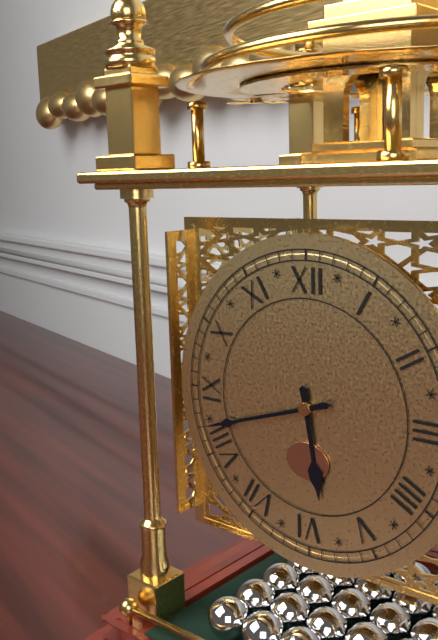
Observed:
5.42
